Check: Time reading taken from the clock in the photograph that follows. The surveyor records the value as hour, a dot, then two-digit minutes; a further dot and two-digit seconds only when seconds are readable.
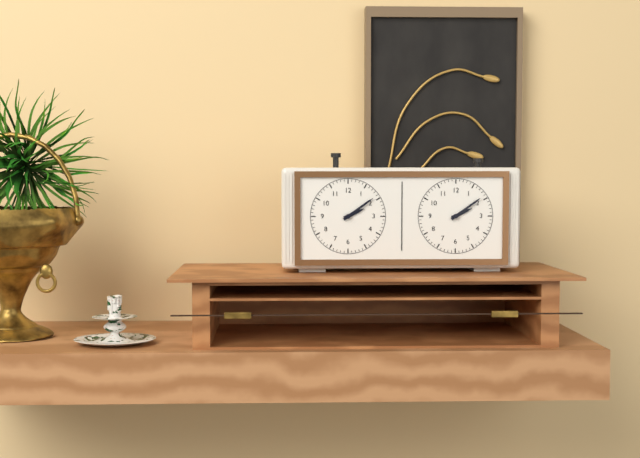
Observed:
2.09
